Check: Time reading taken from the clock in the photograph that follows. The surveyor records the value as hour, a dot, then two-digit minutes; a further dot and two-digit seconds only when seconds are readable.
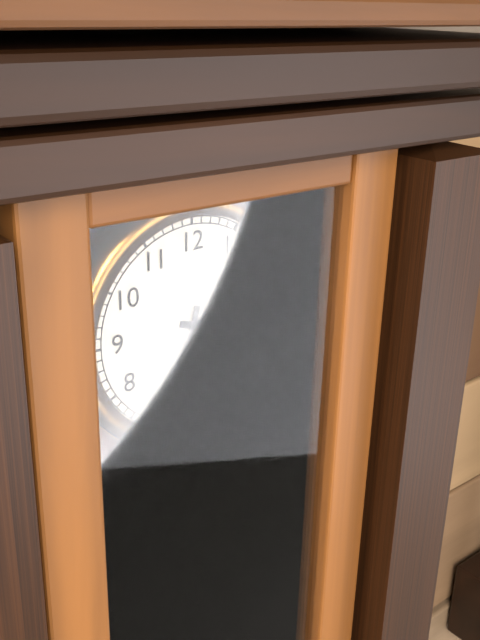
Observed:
3.32
